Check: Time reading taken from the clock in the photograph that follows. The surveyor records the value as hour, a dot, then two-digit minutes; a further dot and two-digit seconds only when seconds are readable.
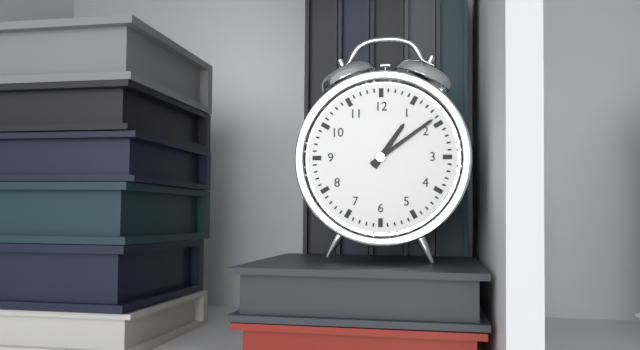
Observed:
1.09
